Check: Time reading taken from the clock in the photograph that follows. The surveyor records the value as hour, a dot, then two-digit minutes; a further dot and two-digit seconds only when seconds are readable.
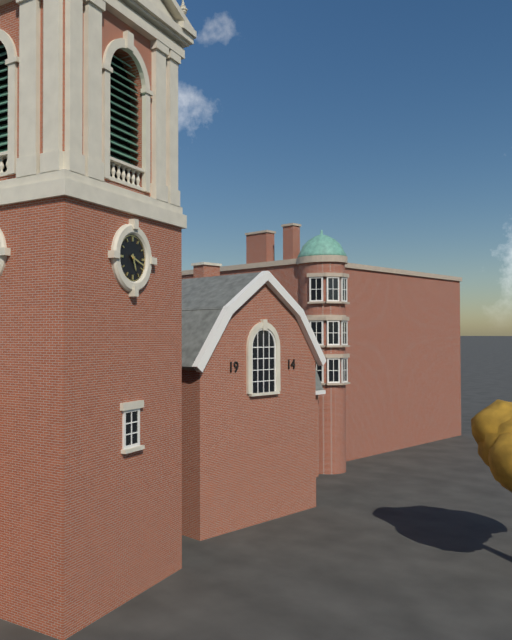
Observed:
5.18
